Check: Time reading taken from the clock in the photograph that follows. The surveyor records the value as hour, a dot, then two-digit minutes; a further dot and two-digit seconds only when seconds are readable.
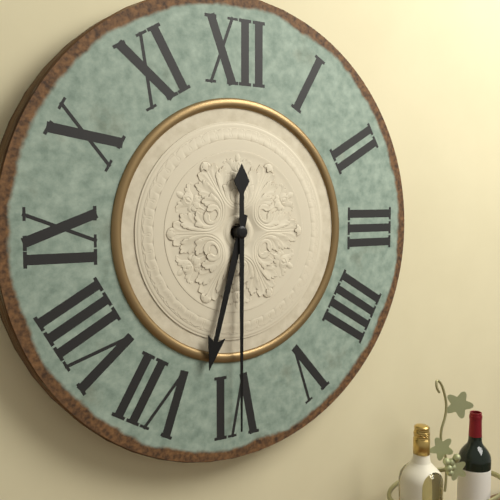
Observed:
6.30
